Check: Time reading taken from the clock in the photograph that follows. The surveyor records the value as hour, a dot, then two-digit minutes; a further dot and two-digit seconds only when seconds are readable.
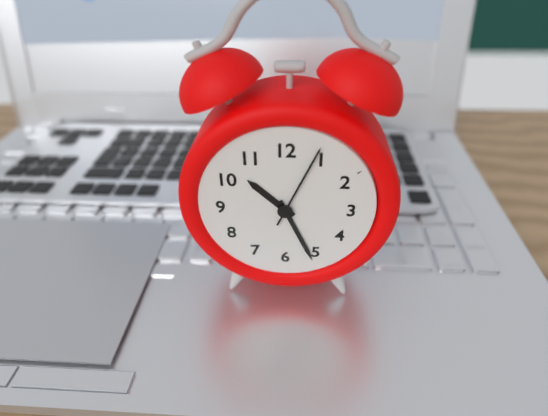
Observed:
10.26.04
